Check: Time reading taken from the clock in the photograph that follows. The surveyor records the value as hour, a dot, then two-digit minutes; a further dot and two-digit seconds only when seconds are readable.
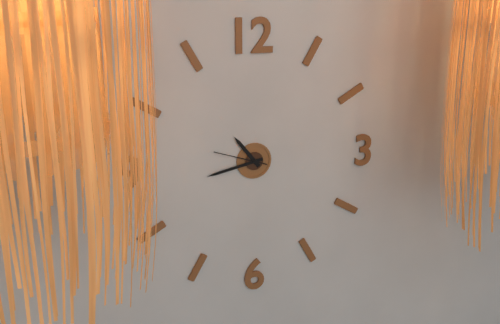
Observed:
10.43.48
